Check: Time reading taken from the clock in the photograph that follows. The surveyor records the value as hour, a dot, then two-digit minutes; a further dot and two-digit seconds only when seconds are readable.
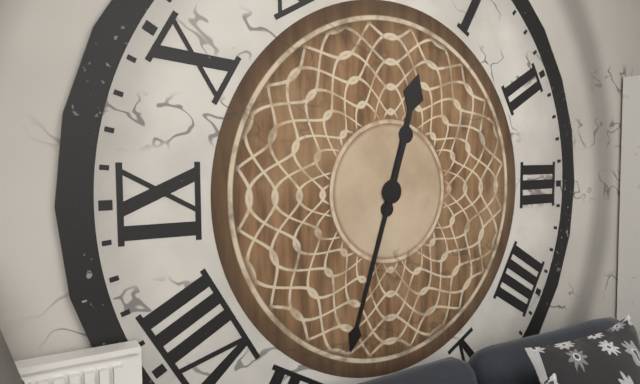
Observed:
12.33
